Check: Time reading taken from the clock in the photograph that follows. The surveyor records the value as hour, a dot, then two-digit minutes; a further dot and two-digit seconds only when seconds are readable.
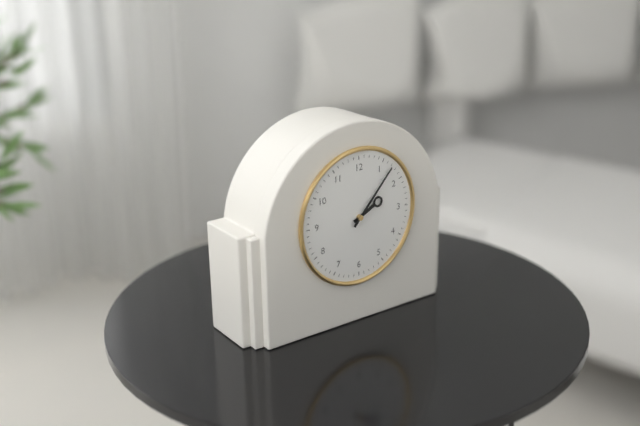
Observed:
2.07
